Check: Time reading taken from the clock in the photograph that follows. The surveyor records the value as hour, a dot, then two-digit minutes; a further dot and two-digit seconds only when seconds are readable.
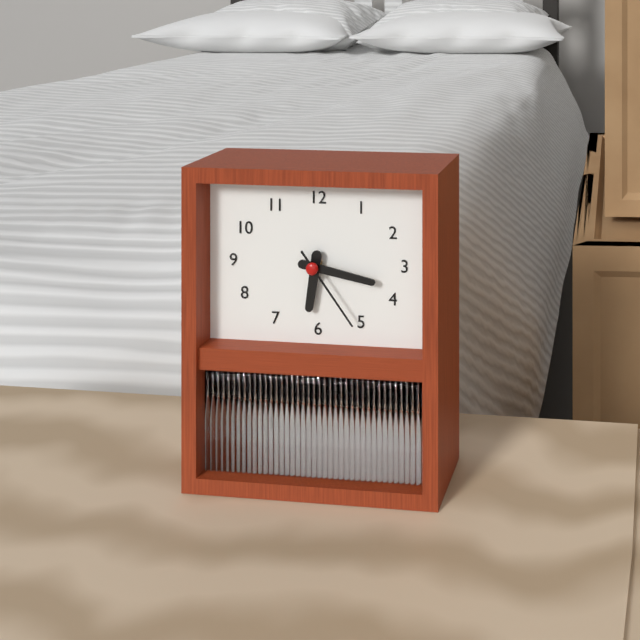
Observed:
6.17.24
